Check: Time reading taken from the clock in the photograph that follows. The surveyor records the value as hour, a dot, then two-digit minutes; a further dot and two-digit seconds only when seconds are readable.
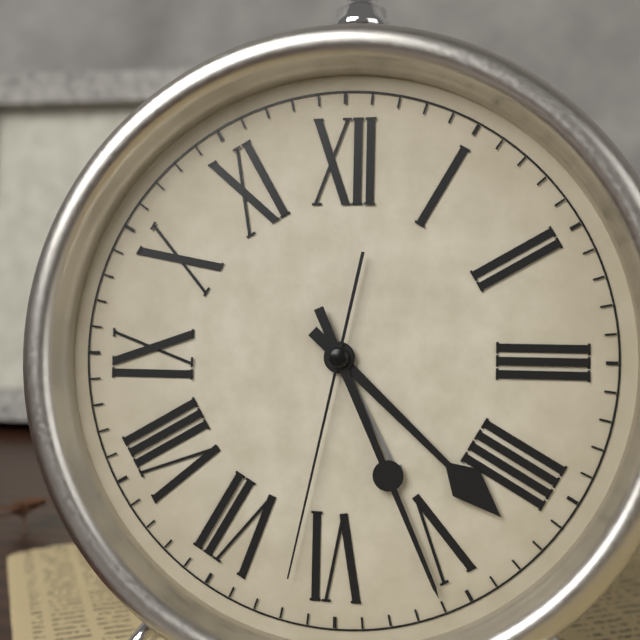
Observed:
4.26.32
